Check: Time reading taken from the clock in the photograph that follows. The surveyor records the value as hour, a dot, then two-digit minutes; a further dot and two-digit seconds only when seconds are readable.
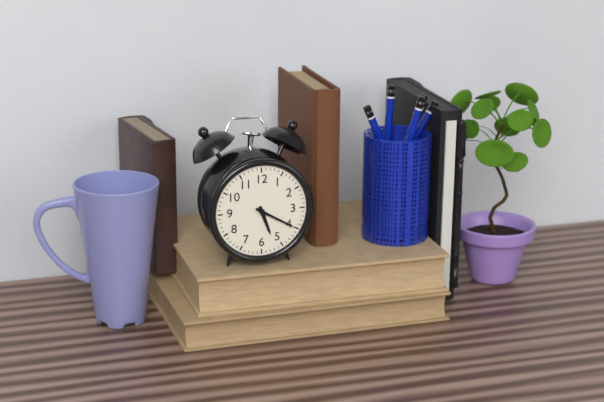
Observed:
5.20
